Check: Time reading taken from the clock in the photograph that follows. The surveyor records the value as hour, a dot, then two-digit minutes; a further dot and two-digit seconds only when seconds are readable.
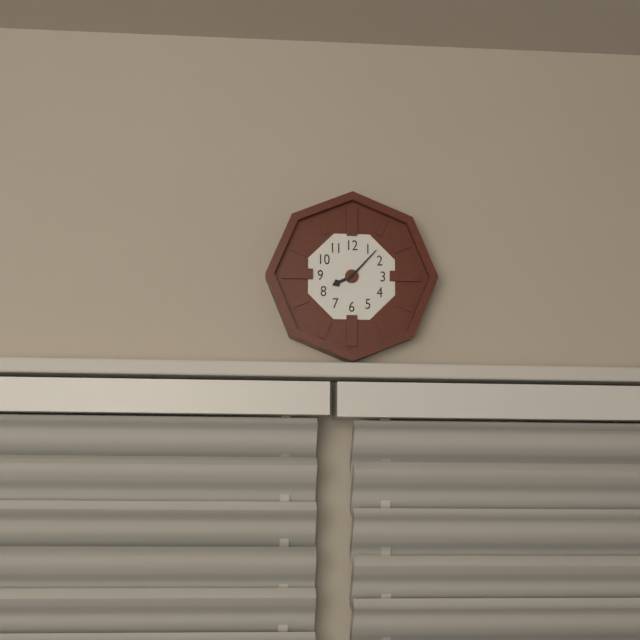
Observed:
8.07
